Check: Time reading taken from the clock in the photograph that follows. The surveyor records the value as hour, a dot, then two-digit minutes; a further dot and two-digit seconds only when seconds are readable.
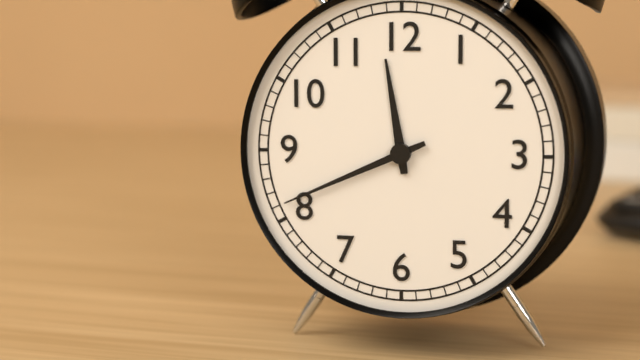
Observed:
11.41
